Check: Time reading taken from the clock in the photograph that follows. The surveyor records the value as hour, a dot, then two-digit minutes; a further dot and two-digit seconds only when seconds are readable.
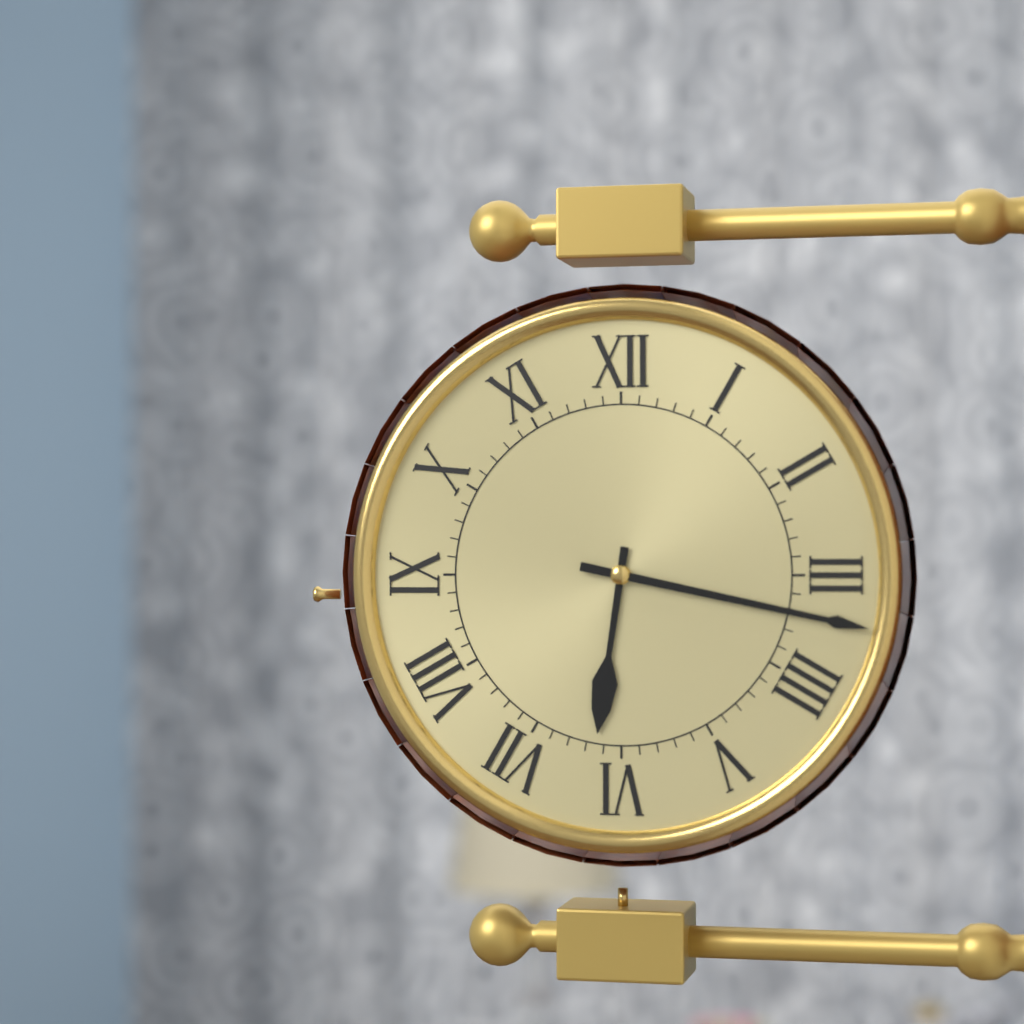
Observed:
6.17
